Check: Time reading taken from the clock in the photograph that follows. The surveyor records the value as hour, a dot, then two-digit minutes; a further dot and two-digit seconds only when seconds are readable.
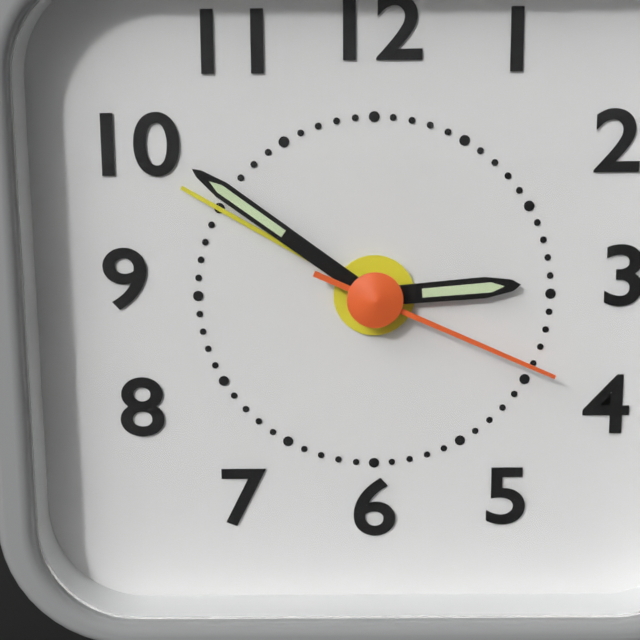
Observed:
2.51.19
